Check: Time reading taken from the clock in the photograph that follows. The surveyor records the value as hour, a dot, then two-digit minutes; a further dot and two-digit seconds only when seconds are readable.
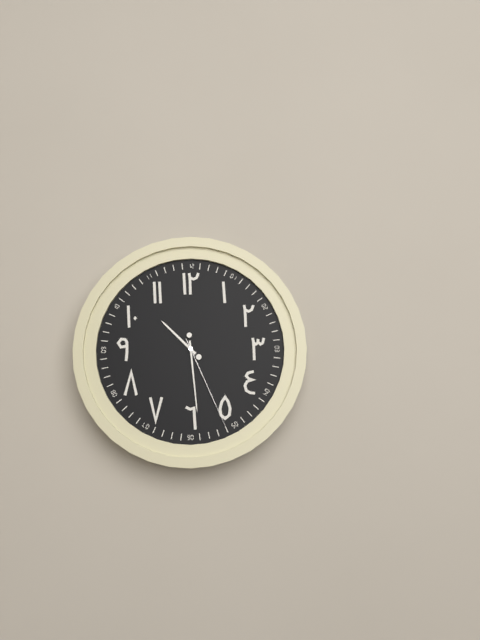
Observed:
10.29.26
